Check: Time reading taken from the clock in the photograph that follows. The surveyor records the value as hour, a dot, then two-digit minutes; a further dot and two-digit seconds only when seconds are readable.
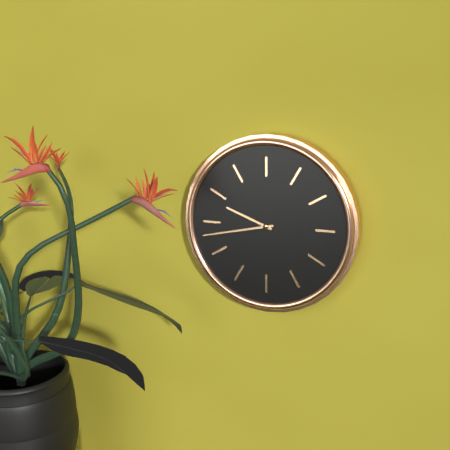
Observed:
9.43
